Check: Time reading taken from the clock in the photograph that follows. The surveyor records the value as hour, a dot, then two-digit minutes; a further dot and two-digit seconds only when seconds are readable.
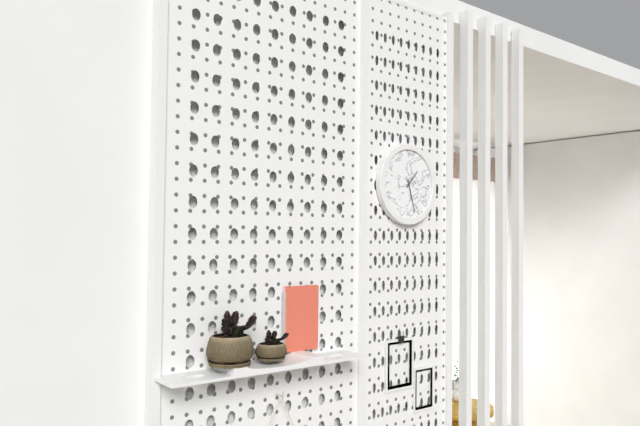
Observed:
1.27
